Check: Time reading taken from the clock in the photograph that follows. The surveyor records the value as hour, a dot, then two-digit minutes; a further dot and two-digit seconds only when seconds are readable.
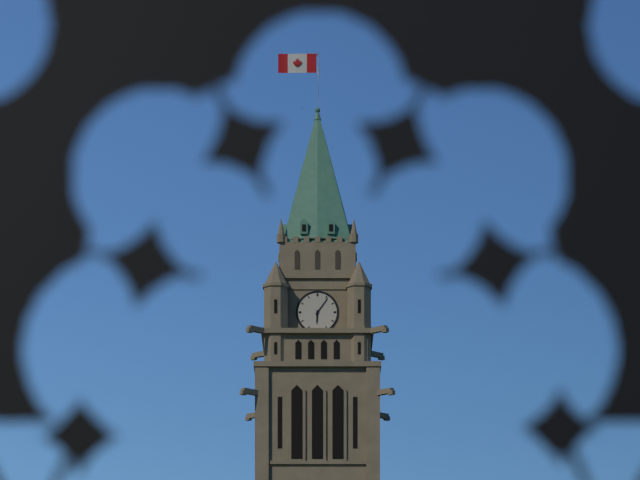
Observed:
6.06
